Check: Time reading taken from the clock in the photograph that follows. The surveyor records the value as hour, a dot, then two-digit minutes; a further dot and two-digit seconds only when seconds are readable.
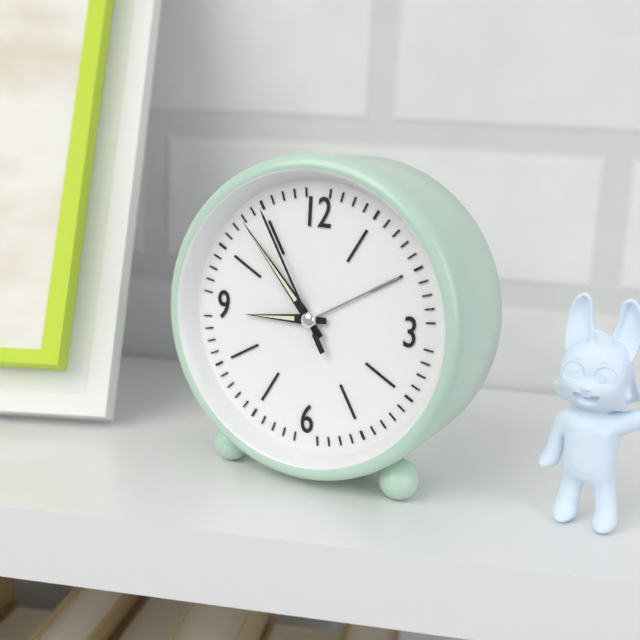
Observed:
8.53.55
